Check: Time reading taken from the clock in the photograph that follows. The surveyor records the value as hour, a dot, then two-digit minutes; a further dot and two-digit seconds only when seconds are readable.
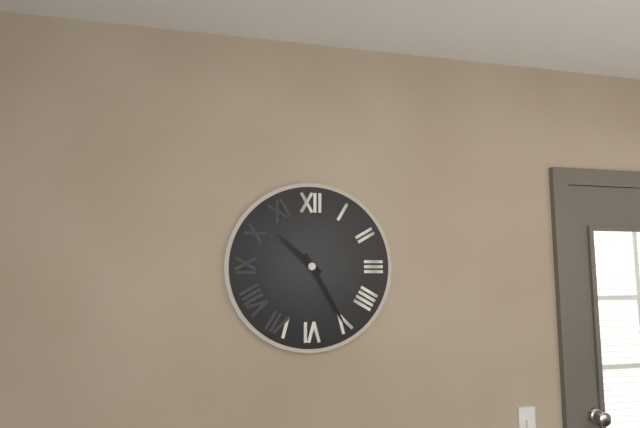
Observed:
10.25
